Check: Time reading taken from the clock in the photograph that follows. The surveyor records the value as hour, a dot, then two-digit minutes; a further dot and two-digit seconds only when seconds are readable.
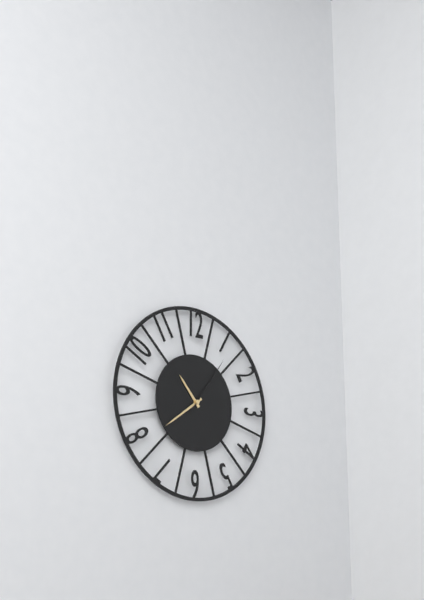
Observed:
10.39.06
